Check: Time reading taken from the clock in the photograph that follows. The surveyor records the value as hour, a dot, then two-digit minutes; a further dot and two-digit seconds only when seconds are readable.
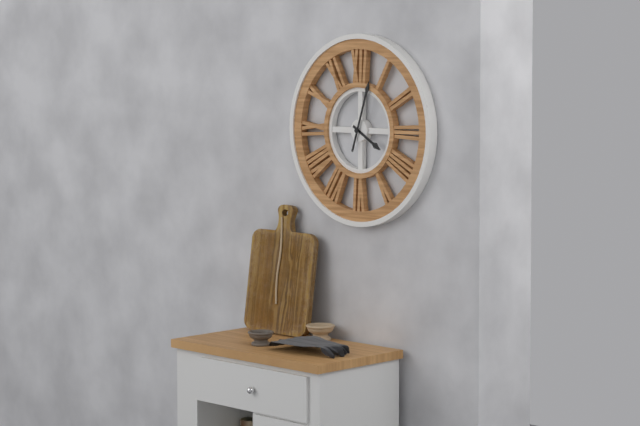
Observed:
4.03
